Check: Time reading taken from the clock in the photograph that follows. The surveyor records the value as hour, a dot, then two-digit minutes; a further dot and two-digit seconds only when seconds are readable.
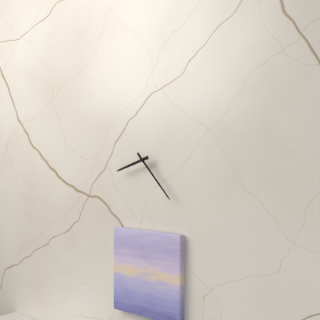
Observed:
8.23
